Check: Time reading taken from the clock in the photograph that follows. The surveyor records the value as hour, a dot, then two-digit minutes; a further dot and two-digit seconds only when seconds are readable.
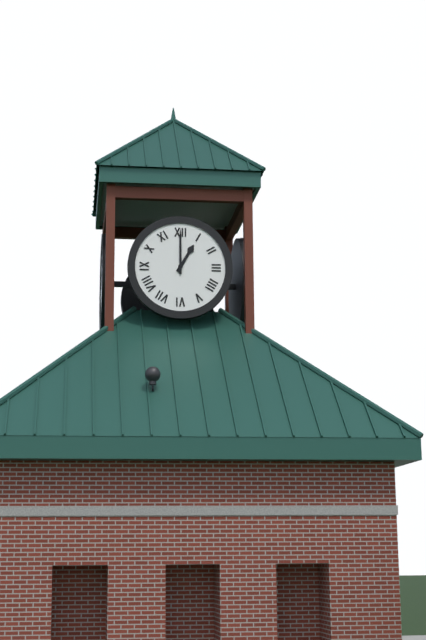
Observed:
1.00
